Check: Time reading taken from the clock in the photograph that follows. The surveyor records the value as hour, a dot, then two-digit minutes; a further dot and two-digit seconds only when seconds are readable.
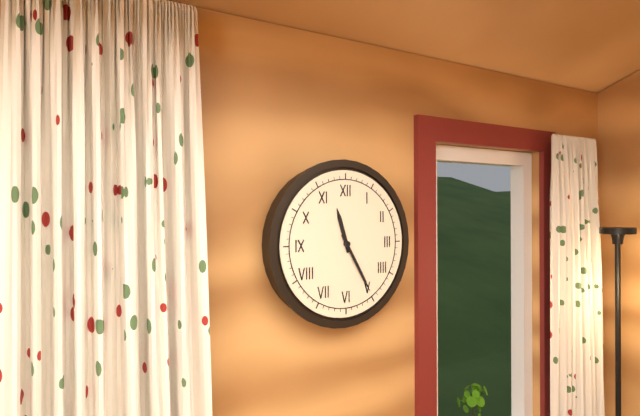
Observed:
11.25
